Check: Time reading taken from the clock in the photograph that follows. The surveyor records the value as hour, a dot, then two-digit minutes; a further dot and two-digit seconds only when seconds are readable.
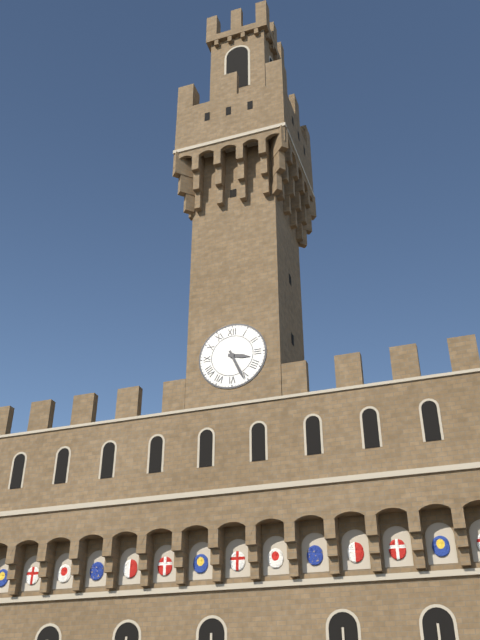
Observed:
3.26
